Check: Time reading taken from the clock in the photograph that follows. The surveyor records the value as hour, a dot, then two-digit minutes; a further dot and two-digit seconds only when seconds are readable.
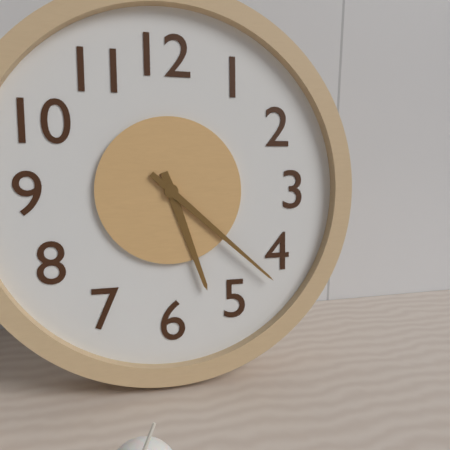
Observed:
5.22
